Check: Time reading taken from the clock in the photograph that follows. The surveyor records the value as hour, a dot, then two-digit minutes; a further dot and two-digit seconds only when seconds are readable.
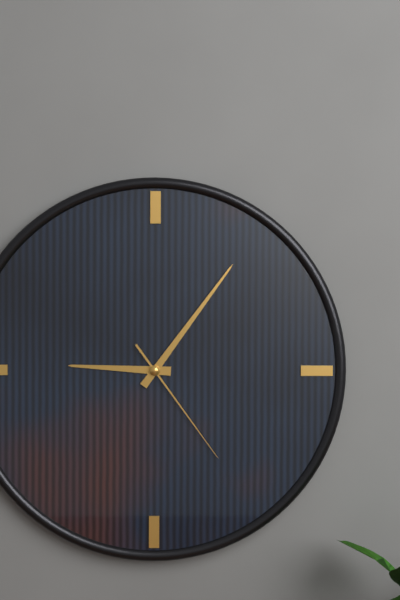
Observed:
9.06.24
